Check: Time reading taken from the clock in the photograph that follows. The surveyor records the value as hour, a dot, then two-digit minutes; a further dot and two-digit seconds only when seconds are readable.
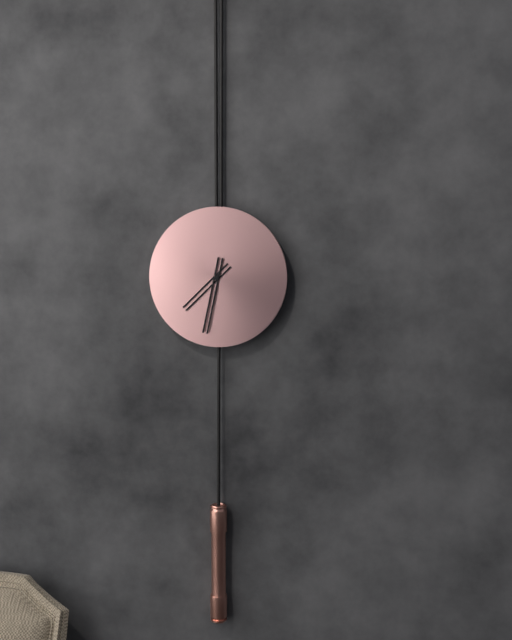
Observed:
7.32
